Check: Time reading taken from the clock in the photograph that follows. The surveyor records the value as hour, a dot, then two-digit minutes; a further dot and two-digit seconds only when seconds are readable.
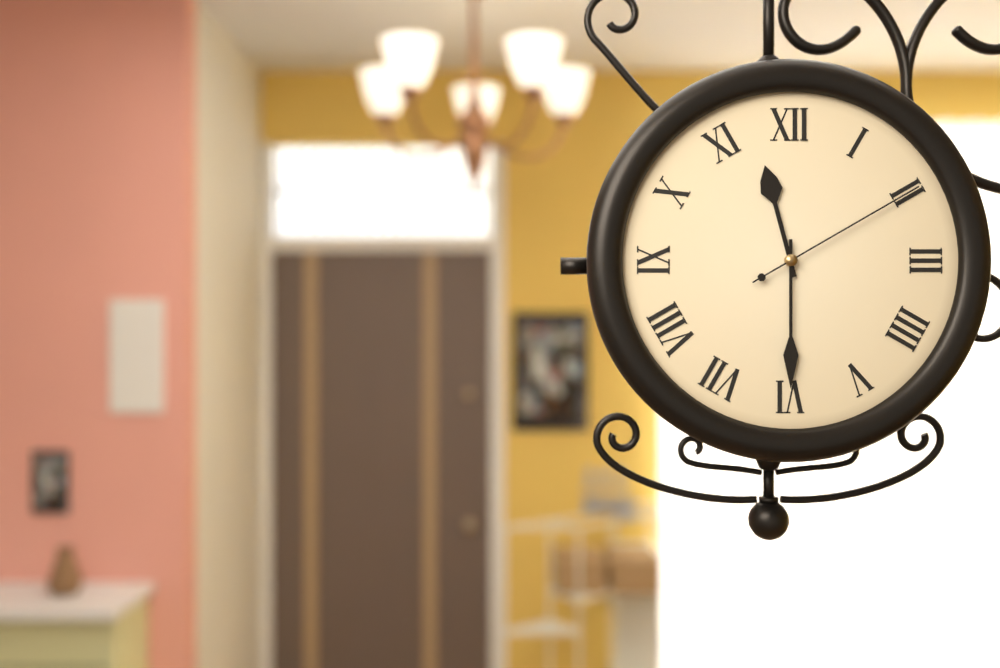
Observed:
11.30.10
